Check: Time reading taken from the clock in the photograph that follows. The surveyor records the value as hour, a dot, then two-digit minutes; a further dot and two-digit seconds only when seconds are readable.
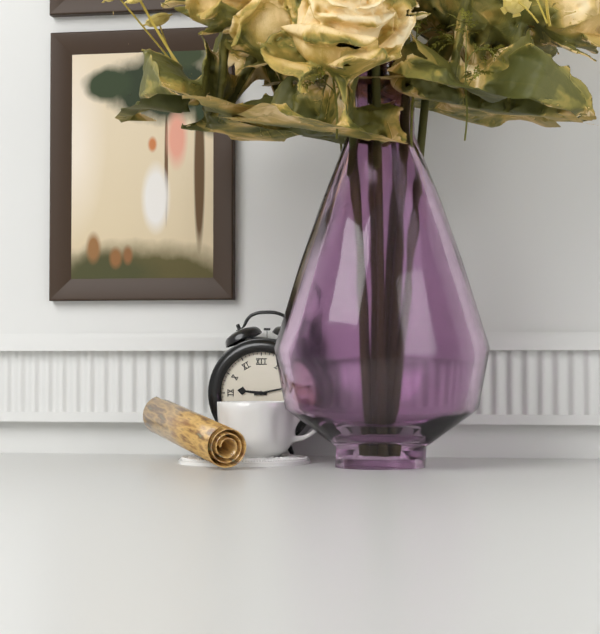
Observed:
9.13
